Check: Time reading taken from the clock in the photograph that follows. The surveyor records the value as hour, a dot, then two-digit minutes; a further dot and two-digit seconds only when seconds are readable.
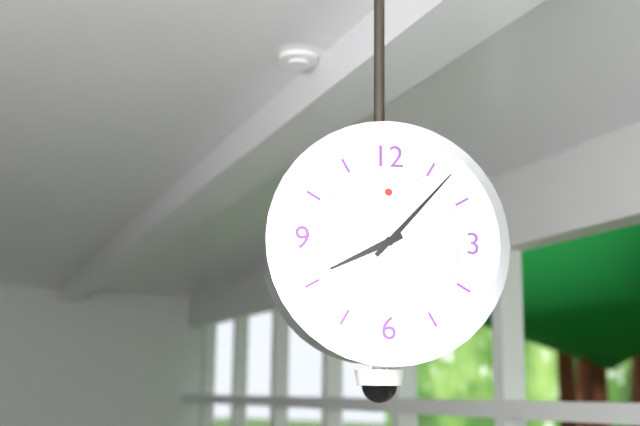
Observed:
8.07
